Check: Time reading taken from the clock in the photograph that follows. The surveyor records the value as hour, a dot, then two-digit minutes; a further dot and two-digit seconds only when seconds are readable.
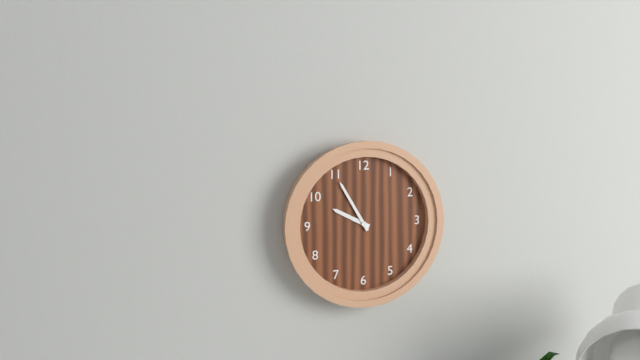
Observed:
9.55
